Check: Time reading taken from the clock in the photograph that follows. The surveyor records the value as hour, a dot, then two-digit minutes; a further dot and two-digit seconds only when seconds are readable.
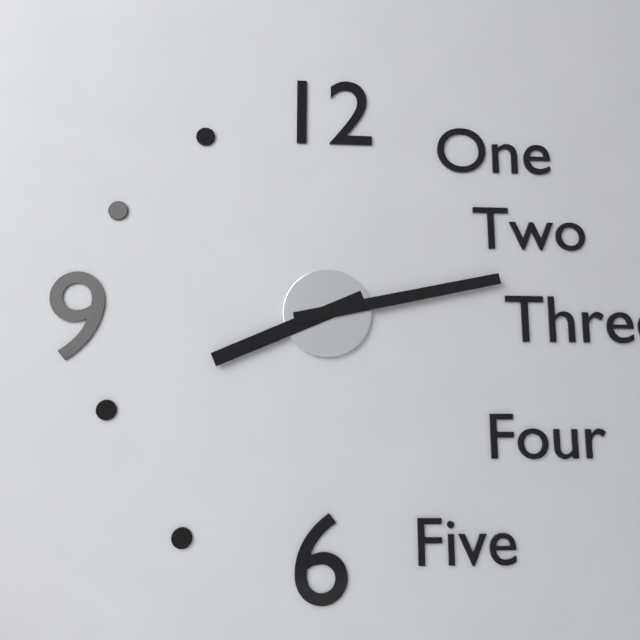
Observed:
8.13
